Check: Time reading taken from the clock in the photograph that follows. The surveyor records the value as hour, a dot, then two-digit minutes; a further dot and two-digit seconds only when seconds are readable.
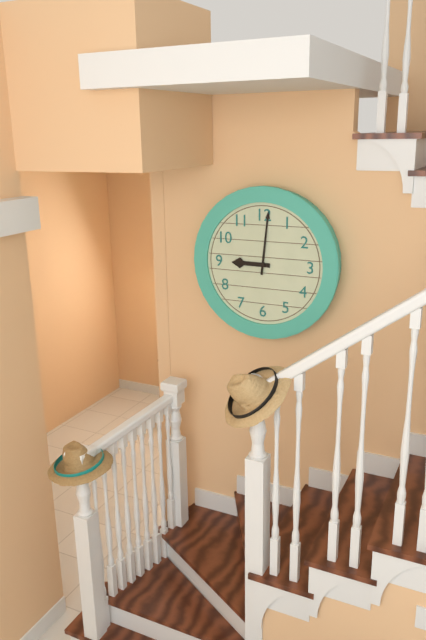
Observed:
9.01
